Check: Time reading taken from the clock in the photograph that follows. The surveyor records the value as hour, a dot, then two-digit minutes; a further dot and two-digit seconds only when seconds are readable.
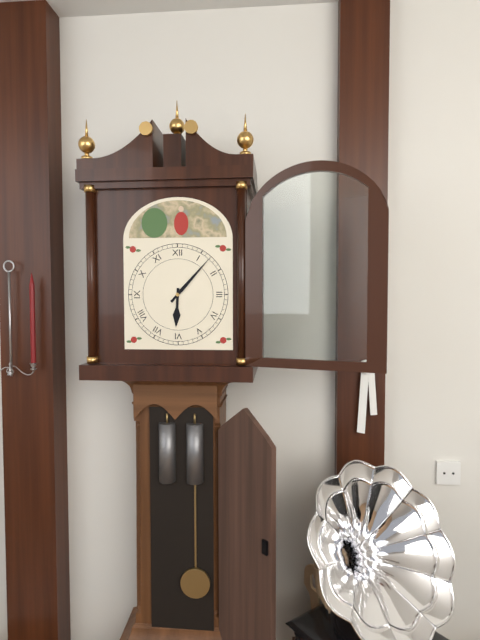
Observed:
6.07
